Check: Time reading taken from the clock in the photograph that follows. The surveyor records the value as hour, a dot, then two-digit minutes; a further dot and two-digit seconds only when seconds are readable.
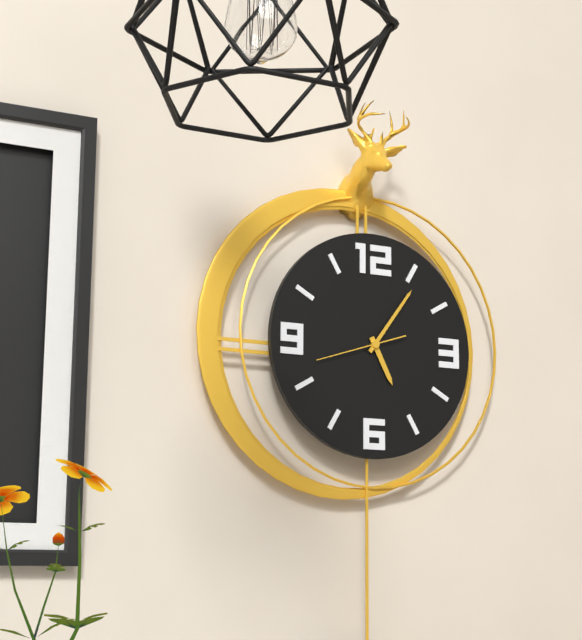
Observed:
5.06.42
